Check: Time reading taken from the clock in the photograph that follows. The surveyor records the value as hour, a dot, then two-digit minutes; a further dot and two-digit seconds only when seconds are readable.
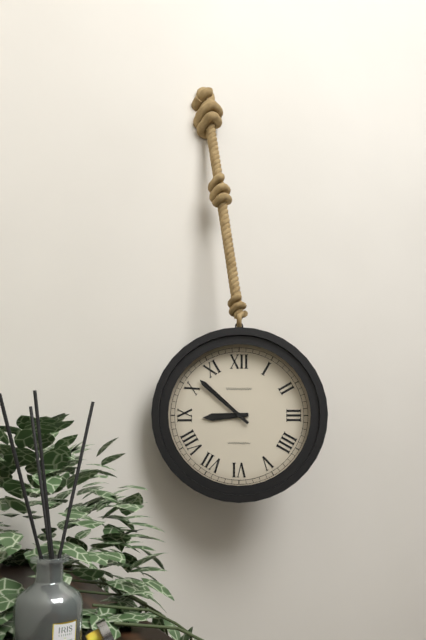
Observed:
8.52
